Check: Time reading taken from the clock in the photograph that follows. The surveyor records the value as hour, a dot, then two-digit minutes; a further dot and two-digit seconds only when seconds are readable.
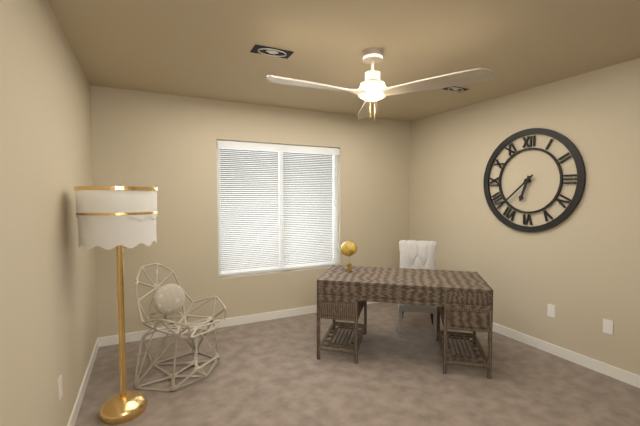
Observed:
6.38
